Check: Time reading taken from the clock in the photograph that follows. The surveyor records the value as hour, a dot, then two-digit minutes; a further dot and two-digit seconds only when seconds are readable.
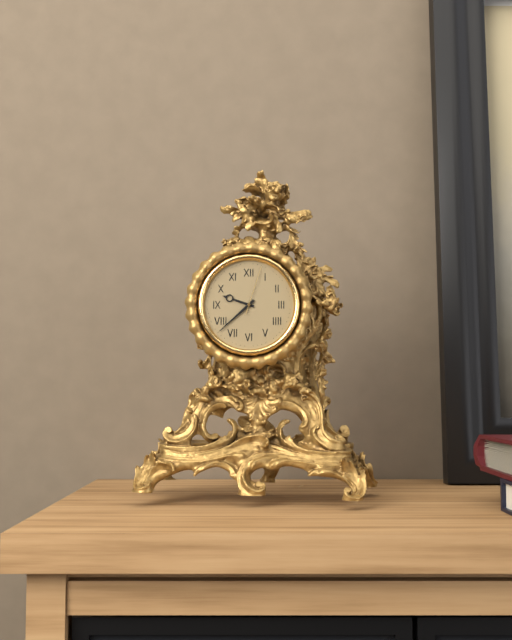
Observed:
9.38.03
